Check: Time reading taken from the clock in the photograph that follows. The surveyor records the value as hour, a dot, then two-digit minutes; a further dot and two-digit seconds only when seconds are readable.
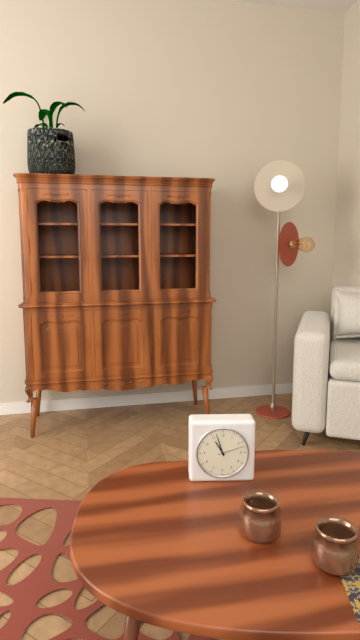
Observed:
10.57
